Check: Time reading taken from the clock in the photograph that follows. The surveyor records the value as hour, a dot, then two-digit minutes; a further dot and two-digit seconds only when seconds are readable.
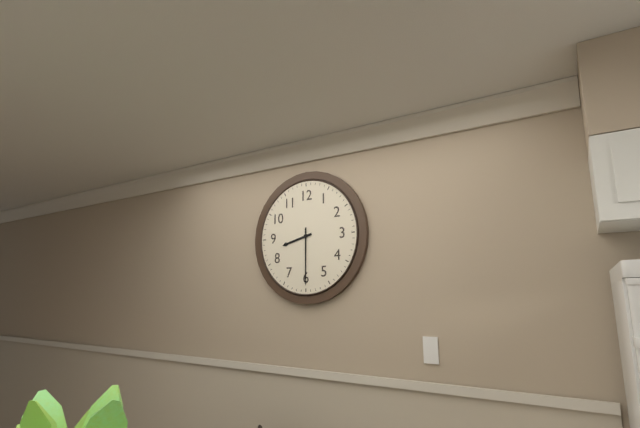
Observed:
8.30
